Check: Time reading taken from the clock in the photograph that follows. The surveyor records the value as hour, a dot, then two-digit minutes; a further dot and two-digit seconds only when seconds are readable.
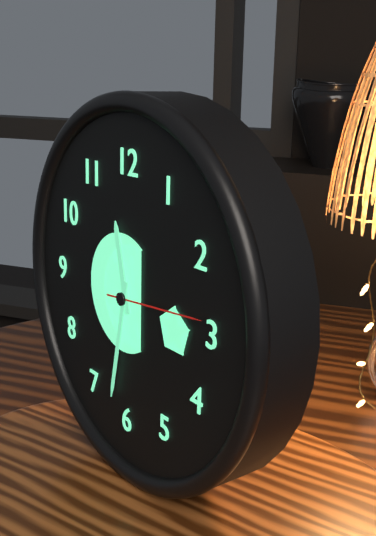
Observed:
11.32.14
